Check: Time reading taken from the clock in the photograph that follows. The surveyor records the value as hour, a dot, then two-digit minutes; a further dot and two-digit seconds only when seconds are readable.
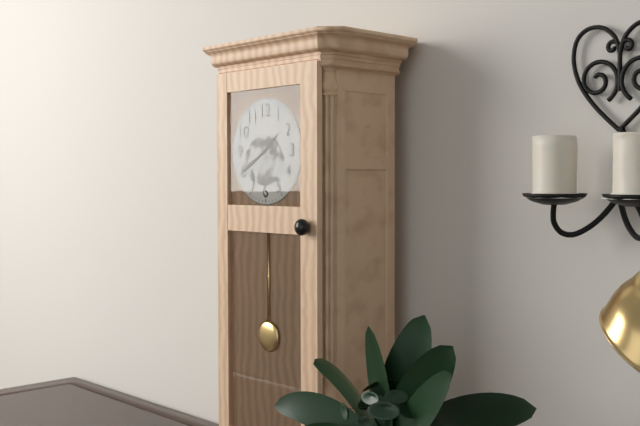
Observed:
1.40
